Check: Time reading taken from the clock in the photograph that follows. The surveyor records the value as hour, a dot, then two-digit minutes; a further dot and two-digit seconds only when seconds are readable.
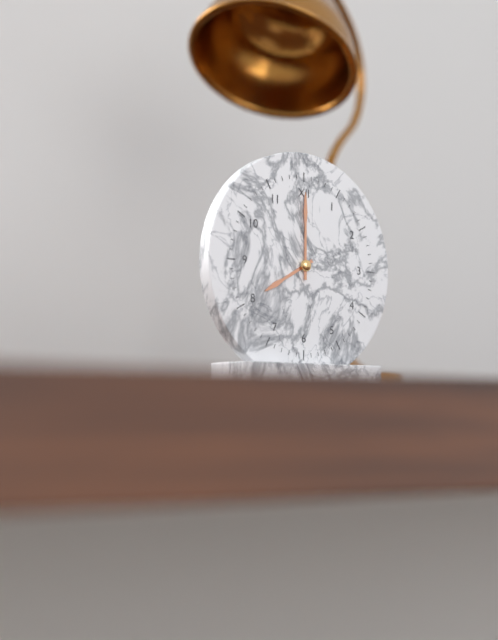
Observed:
8.00
